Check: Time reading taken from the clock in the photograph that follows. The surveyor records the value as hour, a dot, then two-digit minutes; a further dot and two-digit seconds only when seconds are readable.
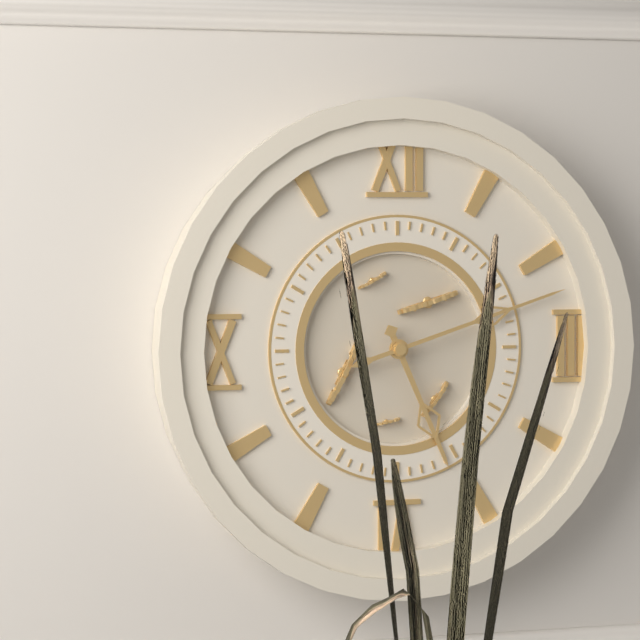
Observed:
5.12
